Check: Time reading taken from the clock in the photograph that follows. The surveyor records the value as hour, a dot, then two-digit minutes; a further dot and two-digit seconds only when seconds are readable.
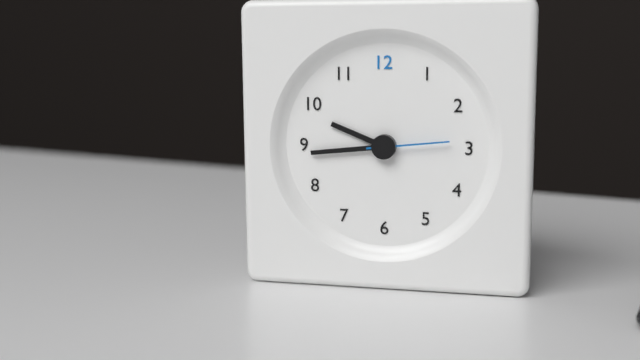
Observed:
9.44.14
